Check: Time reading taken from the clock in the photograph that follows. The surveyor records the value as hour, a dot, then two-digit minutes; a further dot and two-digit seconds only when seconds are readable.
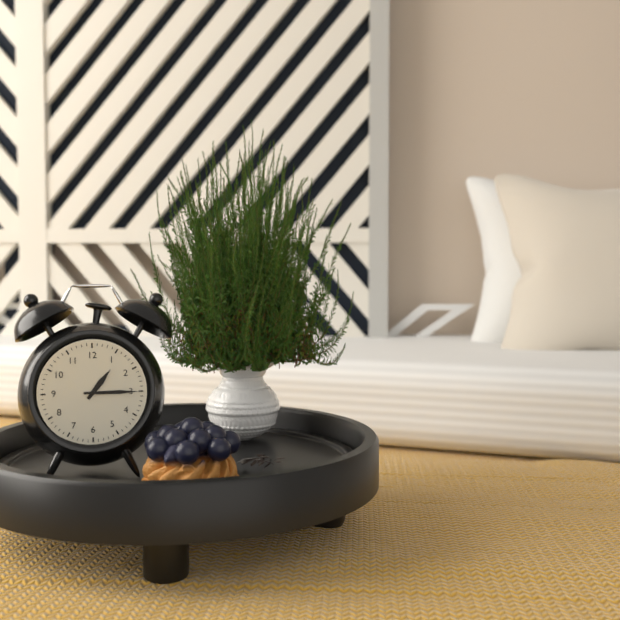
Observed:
1.15
